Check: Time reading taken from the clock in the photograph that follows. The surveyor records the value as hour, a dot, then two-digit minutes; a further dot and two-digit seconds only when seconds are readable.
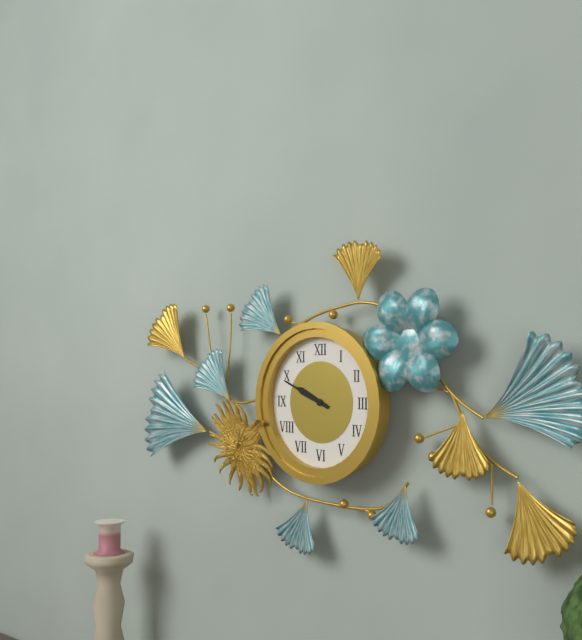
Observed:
9.49
